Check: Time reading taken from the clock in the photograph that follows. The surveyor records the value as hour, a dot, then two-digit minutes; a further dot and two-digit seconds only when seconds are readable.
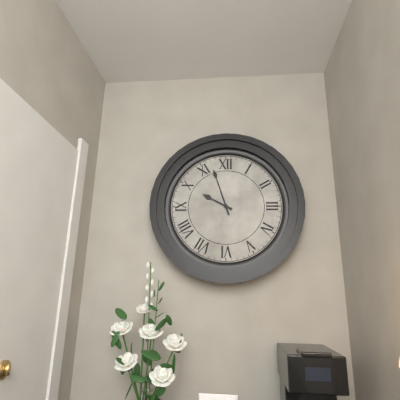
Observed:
9.57
